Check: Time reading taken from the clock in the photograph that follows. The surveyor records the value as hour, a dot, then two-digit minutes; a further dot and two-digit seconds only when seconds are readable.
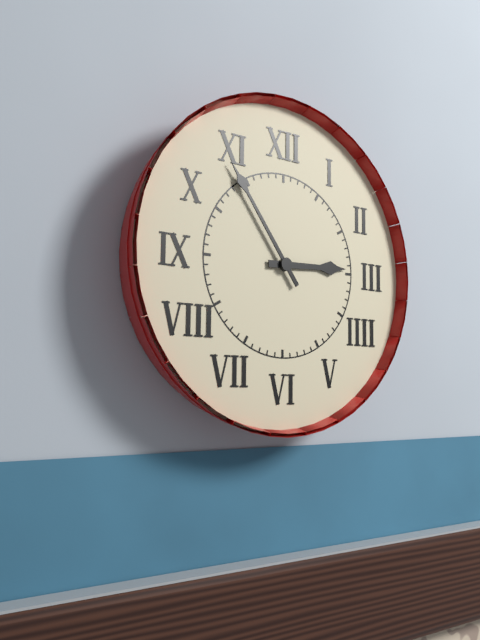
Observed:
2.54
